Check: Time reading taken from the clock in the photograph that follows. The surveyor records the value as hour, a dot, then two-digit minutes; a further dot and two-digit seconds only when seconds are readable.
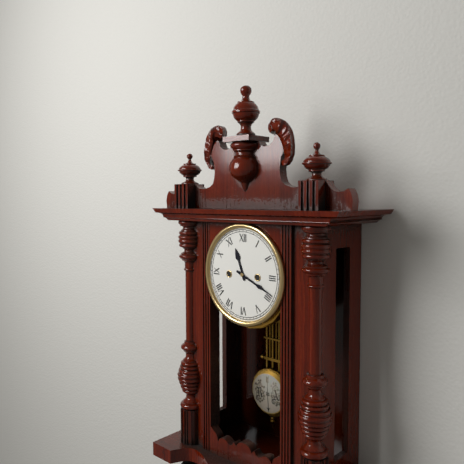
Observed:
11.19
